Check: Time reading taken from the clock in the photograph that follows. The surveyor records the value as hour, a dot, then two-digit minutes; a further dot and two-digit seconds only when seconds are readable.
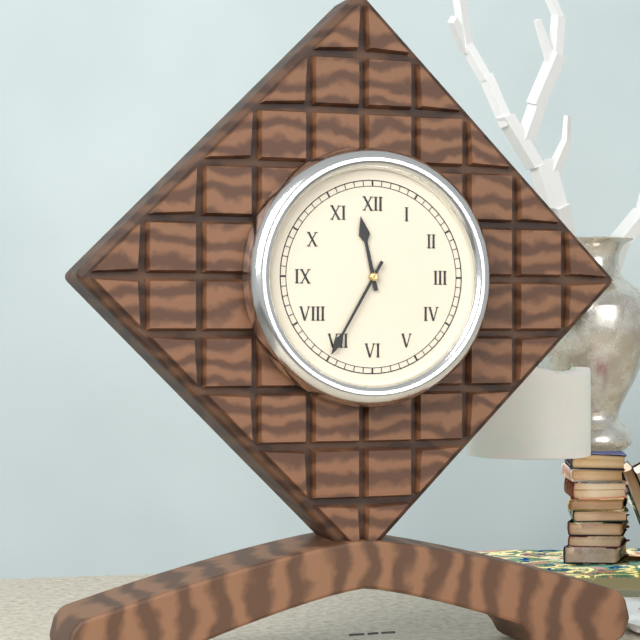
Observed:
11.35
